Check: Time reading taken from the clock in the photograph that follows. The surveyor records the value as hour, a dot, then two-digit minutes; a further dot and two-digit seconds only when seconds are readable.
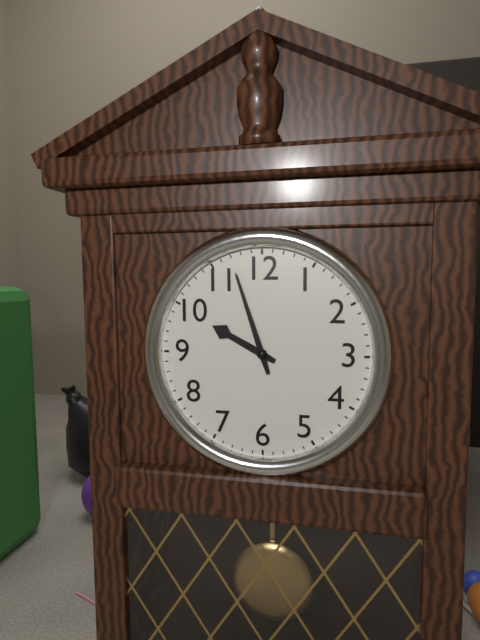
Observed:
9.57
